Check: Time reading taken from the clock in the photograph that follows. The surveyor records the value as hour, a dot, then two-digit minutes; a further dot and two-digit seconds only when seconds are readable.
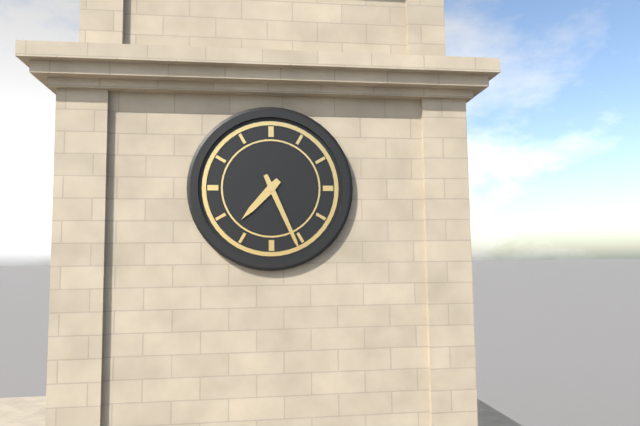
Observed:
7.26
